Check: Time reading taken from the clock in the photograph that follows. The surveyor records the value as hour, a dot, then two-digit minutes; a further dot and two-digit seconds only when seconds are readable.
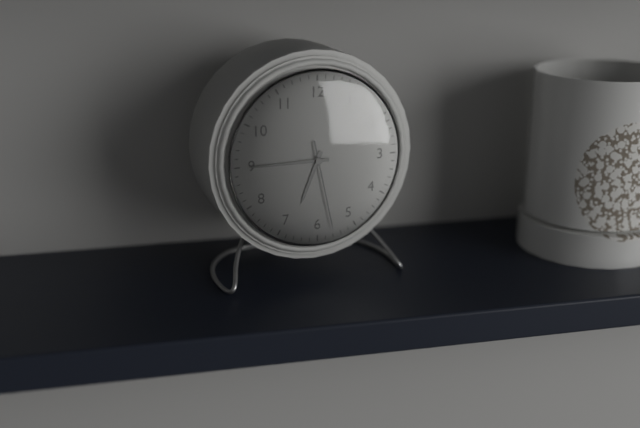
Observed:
6.45.28
